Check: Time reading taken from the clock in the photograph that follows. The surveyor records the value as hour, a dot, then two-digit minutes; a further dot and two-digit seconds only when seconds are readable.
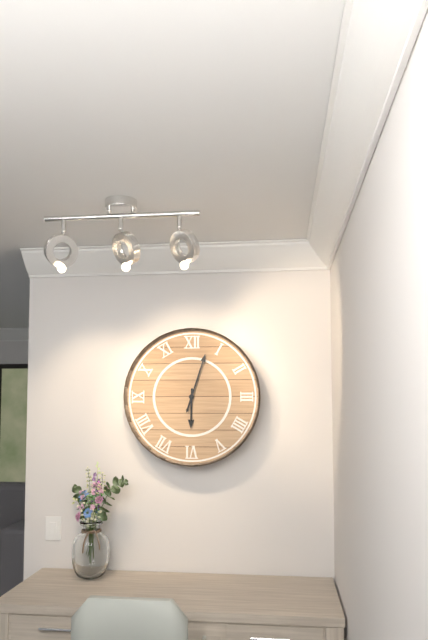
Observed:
6.03
